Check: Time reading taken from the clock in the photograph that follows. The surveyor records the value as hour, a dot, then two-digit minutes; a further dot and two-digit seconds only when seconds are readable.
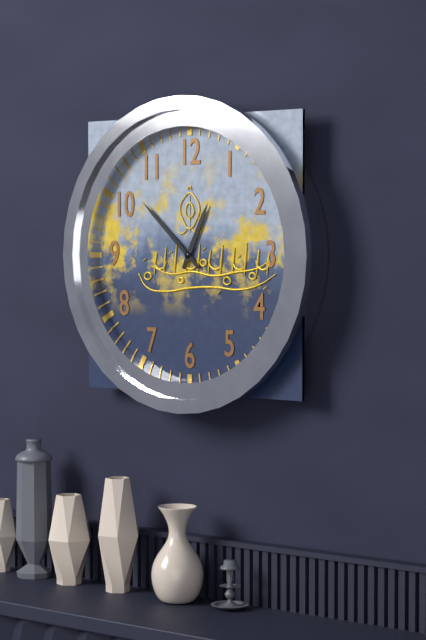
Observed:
12.52
